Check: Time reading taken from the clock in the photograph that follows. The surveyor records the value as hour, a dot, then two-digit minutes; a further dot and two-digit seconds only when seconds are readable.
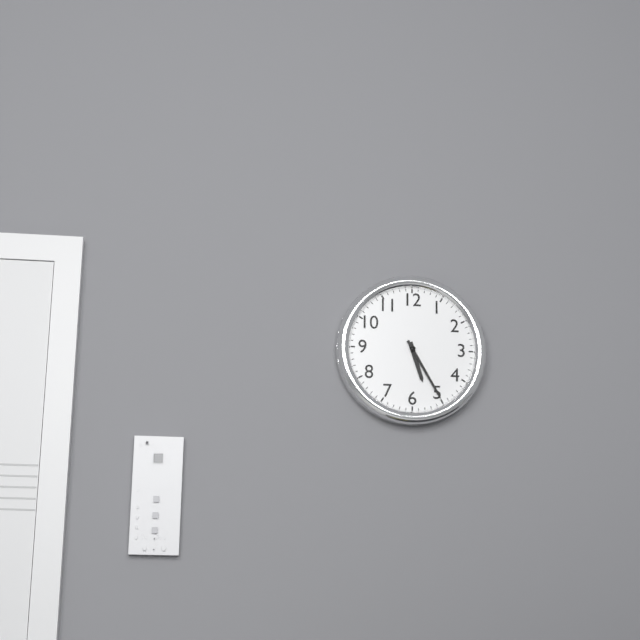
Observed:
5.25
